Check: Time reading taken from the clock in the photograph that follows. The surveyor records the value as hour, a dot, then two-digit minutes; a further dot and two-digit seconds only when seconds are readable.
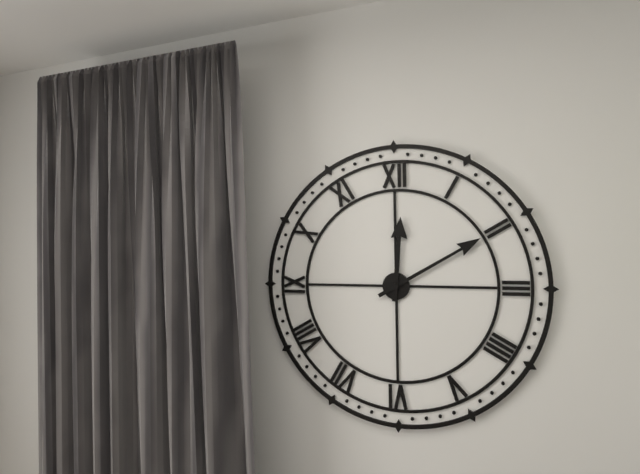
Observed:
12.10
